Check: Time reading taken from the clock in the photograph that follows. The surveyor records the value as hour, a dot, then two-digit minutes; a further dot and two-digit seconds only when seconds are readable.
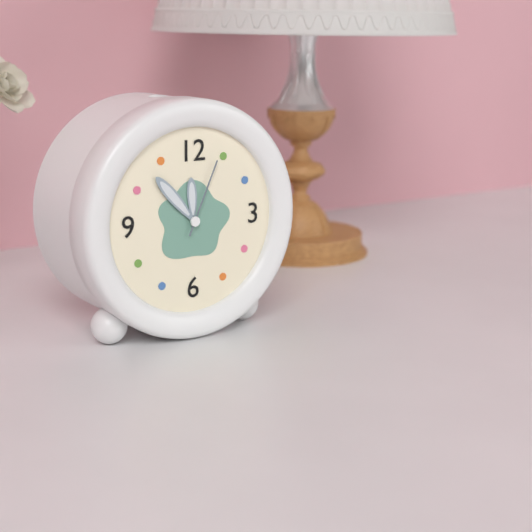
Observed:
11.53.04
